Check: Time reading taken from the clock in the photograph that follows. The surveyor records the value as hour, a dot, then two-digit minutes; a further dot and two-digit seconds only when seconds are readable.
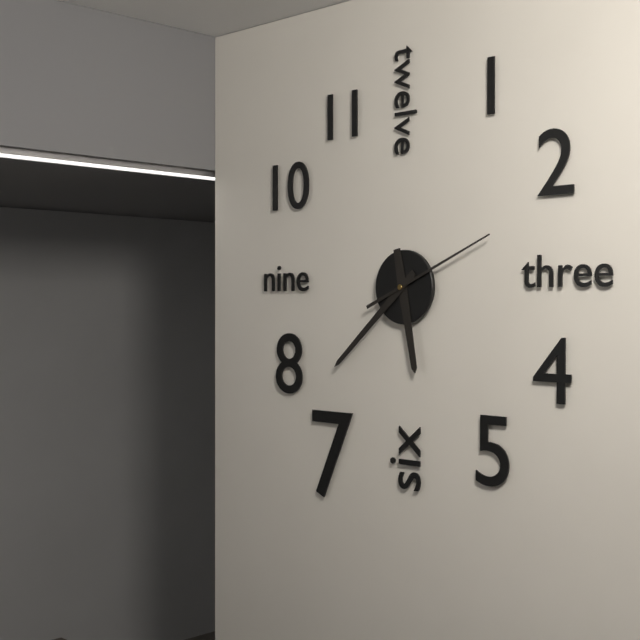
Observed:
5.38.11
